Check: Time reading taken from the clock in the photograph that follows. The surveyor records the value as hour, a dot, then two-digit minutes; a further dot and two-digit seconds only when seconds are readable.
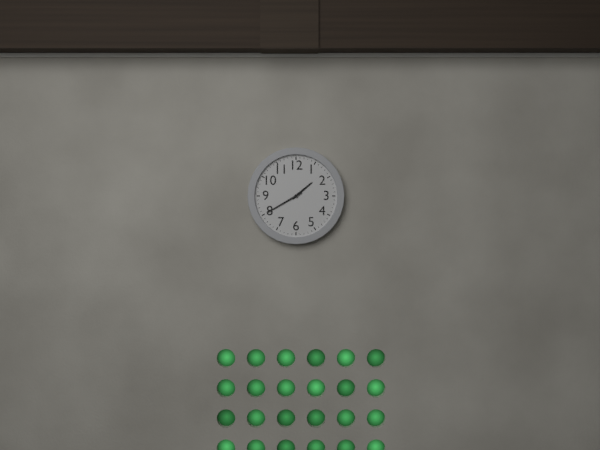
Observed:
1.40
